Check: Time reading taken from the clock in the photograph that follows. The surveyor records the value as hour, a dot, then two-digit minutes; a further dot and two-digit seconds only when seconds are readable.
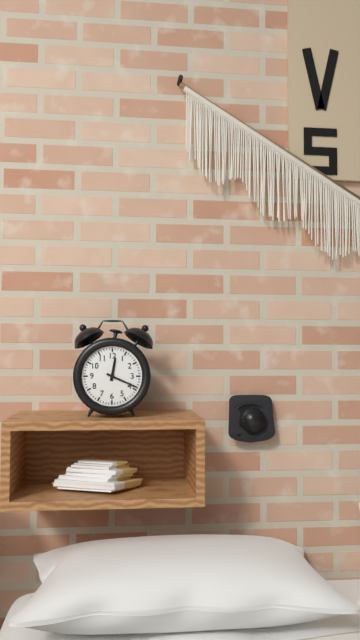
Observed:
12.19
